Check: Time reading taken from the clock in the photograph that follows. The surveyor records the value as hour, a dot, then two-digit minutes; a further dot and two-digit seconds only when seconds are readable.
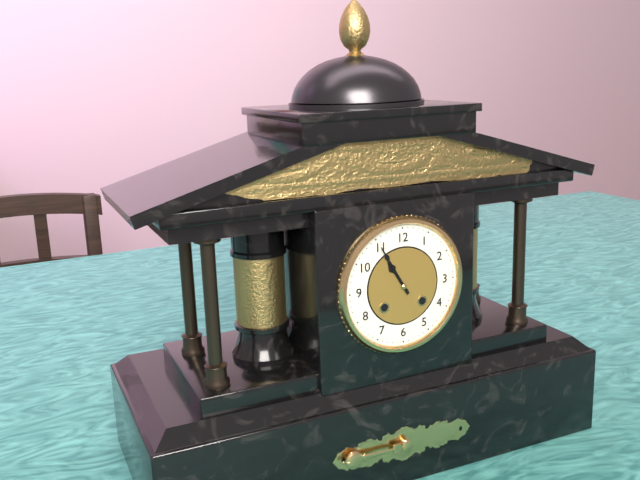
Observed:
10.55
